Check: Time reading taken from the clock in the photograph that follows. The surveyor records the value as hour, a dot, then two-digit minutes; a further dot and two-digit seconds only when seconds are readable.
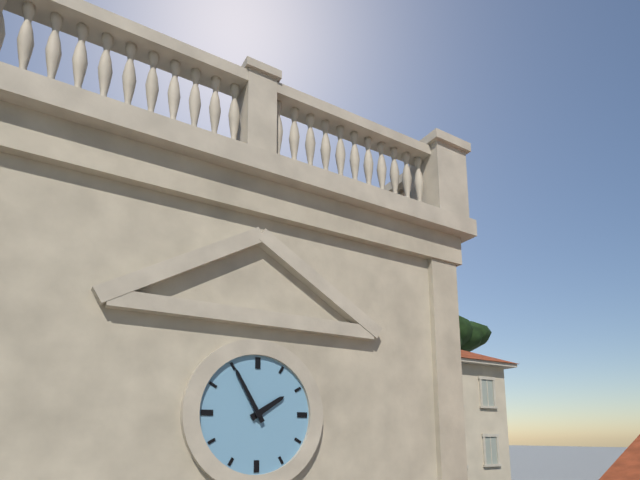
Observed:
1.55
